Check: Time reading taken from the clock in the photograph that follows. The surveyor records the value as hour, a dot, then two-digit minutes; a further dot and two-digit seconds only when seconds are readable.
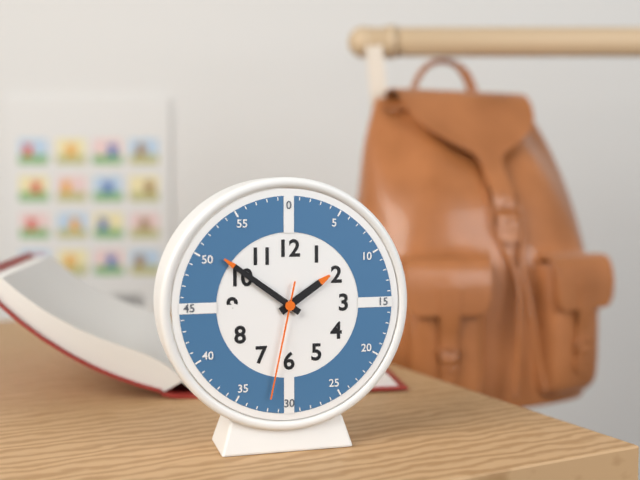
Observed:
1.51.32
